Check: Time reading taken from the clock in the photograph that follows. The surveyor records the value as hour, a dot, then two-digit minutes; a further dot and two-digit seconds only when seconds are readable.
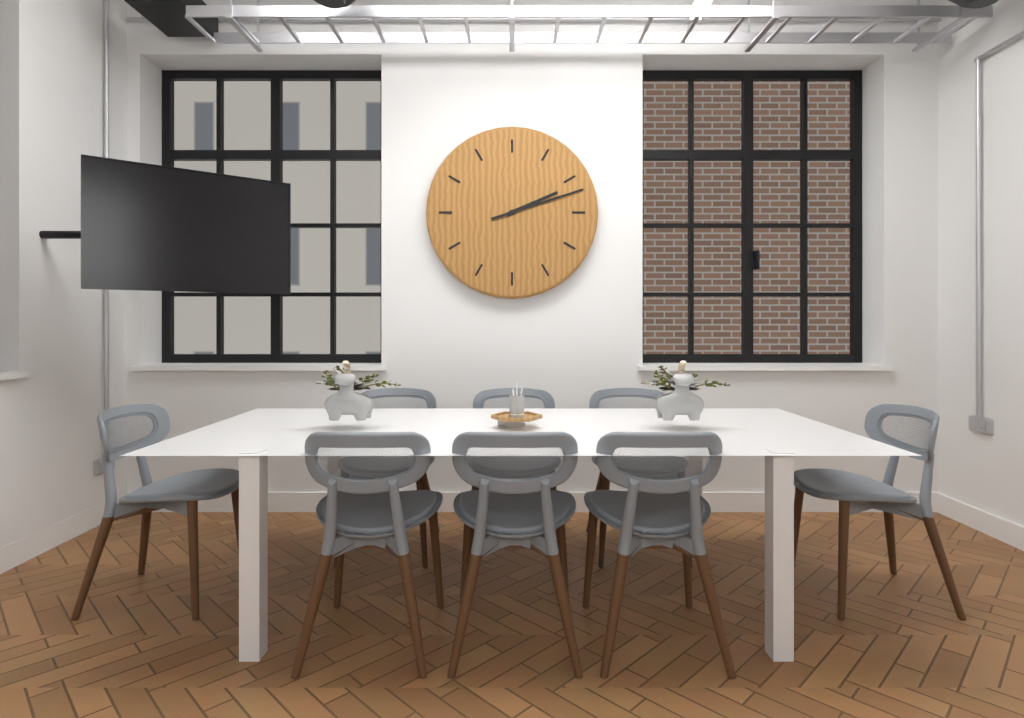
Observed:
2.12
